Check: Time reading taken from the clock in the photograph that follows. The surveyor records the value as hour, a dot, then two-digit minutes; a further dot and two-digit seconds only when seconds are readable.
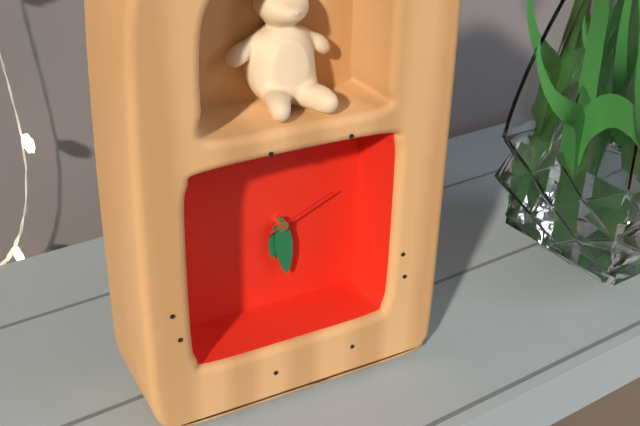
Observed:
6.29.11
